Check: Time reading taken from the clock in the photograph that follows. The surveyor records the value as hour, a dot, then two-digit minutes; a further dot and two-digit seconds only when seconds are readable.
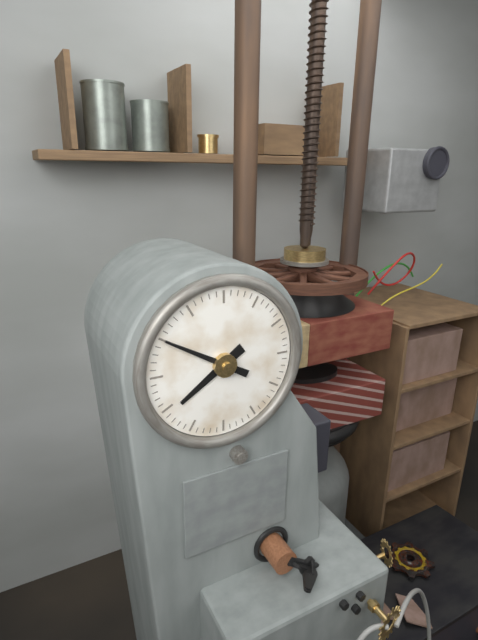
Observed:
7.50
